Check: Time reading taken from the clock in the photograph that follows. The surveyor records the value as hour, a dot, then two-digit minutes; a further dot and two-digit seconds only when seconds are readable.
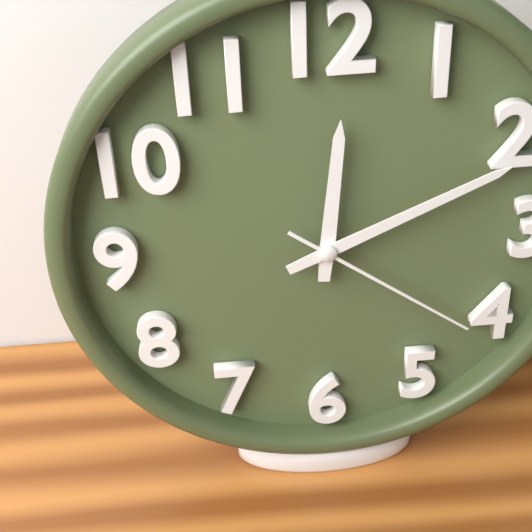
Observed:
12.11.21
